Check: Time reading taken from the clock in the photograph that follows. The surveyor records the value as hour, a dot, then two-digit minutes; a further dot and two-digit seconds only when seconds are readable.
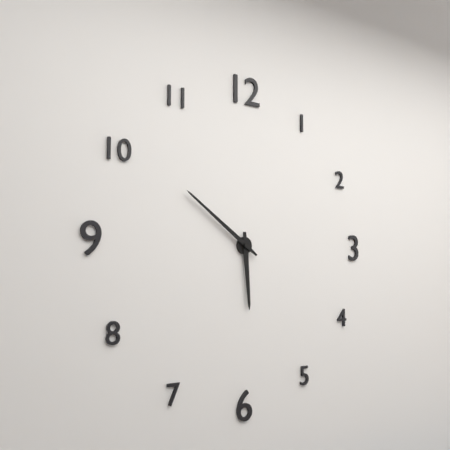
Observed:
5.51
